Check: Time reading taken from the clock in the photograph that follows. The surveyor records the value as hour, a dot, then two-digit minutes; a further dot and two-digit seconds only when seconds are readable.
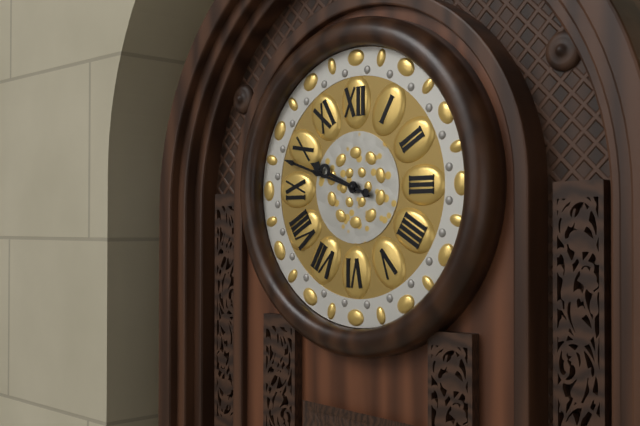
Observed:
9.48
